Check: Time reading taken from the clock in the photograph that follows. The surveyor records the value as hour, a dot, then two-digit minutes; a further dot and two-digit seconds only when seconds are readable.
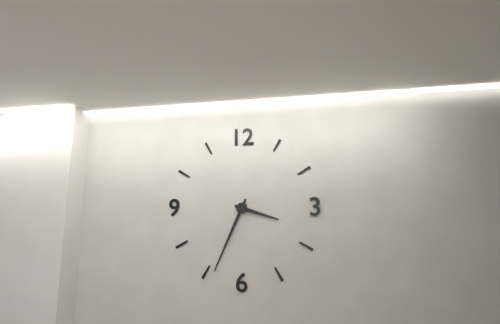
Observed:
3.34
